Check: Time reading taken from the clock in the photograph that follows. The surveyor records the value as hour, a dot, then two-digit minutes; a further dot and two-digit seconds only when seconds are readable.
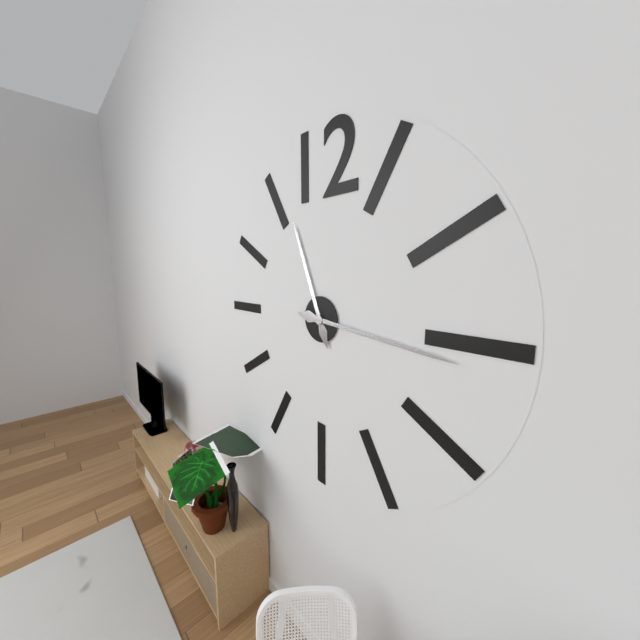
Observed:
11.16
